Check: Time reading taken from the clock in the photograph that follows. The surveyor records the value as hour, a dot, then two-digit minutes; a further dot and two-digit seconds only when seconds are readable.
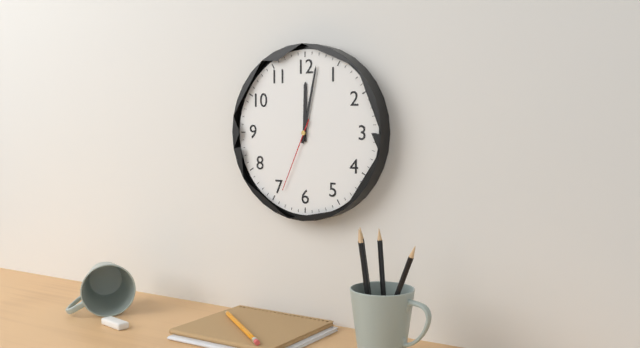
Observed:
12.02.34
